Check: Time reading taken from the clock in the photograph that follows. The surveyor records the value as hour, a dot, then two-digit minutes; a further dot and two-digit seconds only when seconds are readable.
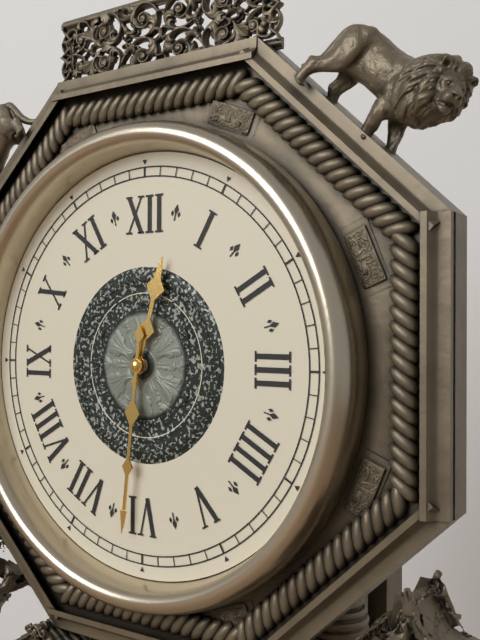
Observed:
12.31
